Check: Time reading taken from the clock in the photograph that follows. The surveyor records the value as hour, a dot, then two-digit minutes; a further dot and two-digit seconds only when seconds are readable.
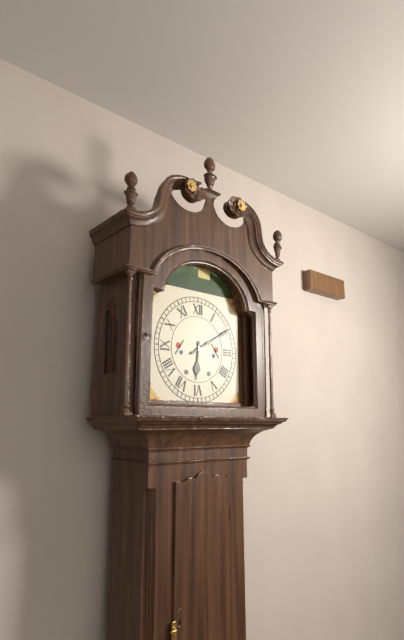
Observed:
6.10
